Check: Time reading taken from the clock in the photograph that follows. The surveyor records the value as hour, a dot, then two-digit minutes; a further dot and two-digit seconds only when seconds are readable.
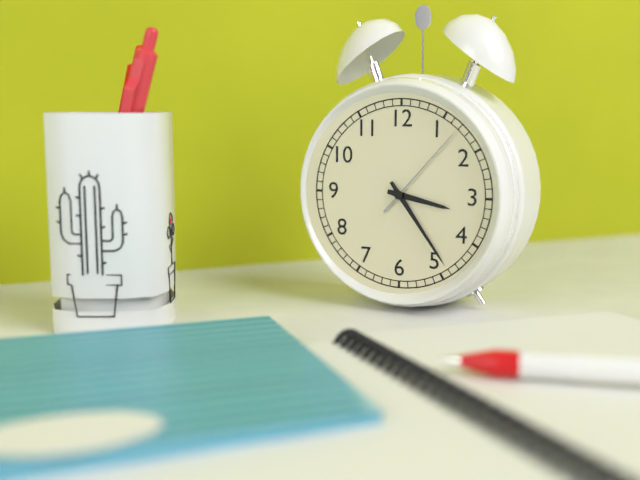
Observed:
3.24.07
